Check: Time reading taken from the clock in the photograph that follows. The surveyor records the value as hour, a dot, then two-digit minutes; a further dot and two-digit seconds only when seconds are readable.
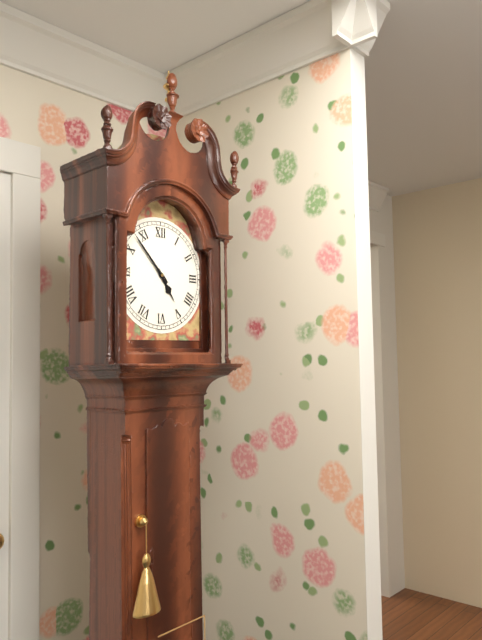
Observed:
4.53
